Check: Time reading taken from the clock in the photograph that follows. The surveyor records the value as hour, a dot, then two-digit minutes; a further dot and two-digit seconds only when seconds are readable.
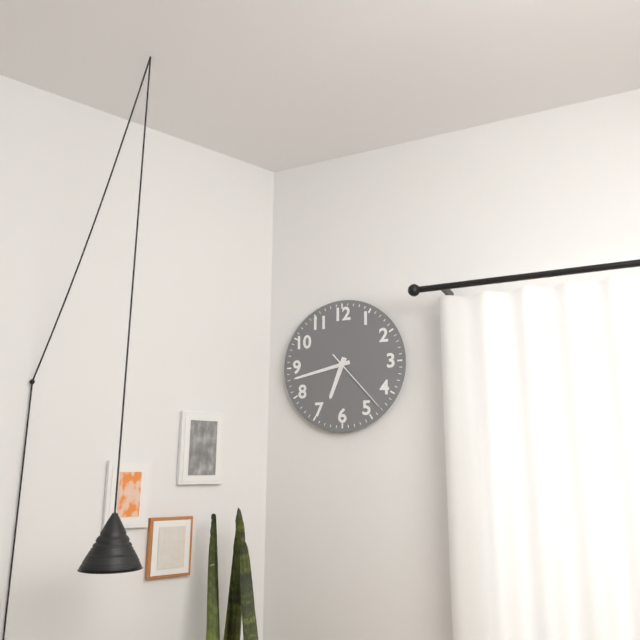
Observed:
6.43.23
